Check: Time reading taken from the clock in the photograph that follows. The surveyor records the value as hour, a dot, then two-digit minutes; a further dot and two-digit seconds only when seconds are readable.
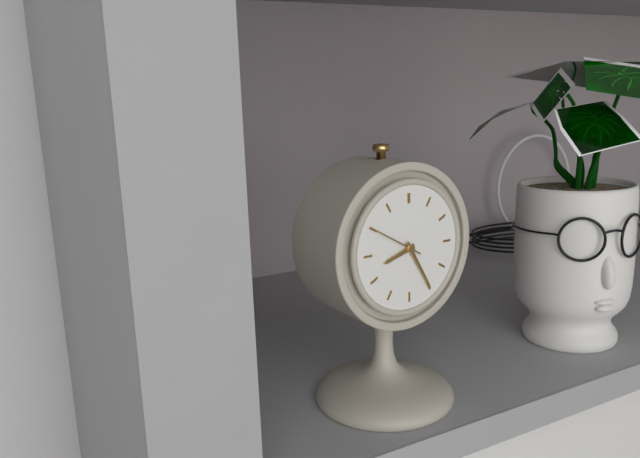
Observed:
8.25.50
